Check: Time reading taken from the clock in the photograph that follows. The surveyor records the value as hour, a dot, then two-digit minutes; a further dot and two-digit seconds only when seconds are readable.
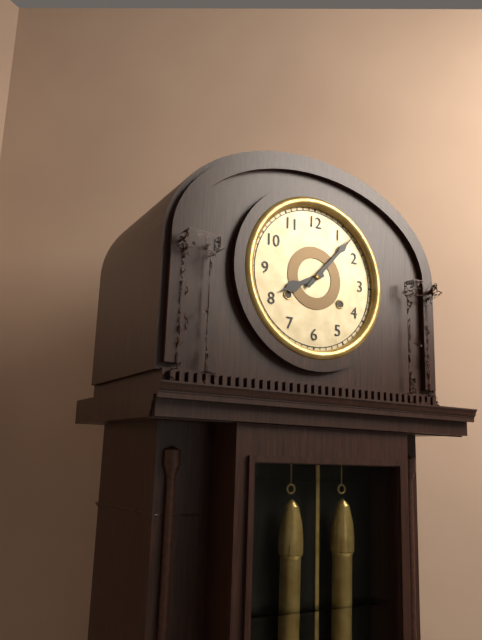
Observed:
8.07
